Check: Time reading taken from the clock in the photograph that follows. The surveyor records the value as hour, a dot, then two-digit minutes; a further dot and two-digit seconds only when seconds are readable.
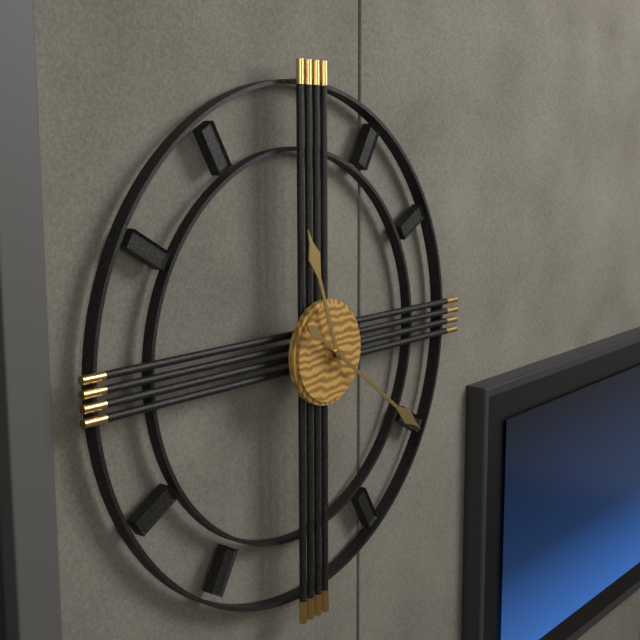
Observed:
11.21
